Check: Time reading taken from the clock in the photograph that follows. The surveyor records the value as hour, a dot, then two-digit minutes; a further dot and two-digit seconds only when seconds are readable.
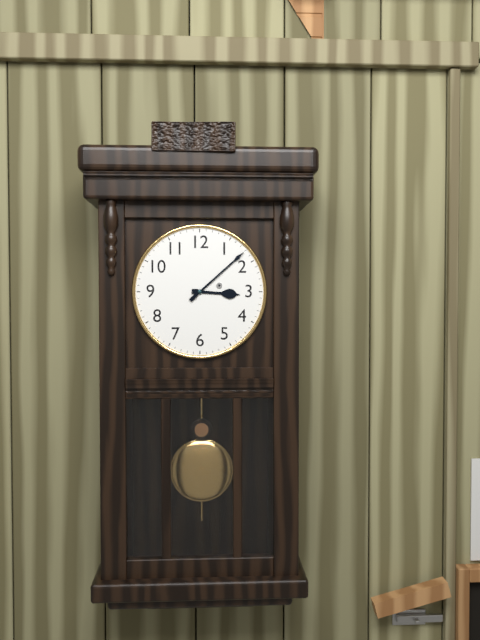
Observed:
3.08
